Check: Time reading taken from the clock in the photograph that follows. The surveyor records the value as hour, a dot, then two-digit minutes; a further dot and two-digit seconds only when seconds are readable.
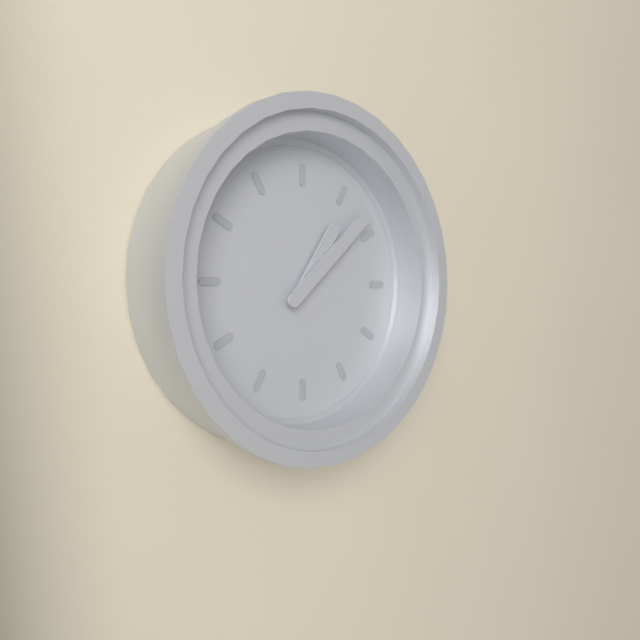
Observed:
1.08
